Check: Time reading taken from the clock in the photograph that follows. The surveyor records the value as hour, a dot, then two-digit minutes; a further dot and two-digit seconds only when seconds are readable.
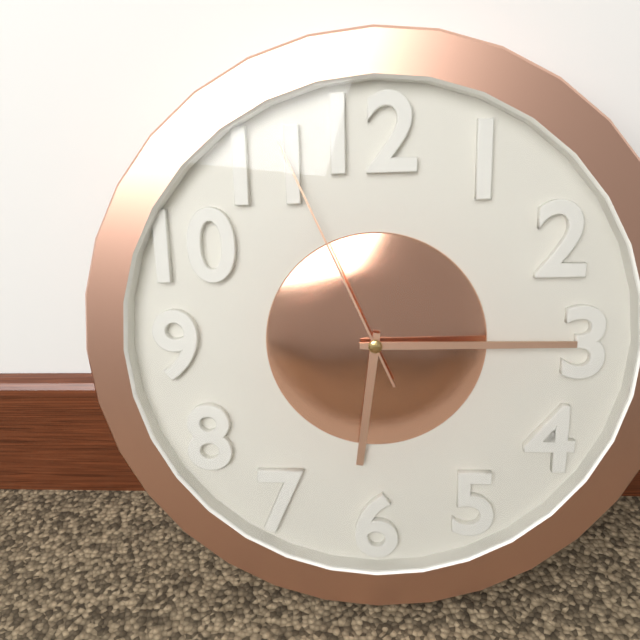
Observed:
6.15.56
